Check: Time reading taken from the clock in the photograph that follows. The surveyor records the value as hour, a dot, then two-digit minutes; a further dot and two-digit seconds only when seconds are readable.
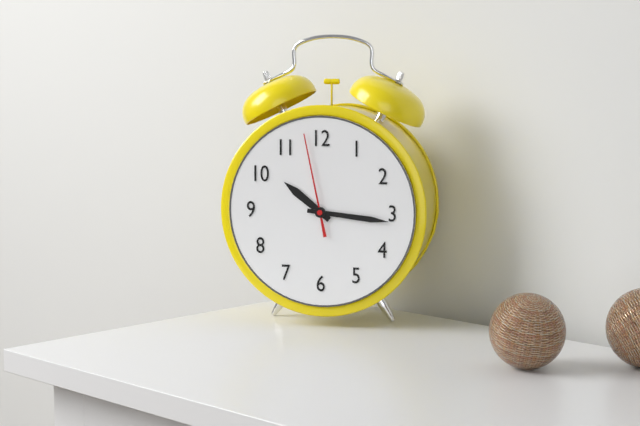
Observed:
10.16.58
